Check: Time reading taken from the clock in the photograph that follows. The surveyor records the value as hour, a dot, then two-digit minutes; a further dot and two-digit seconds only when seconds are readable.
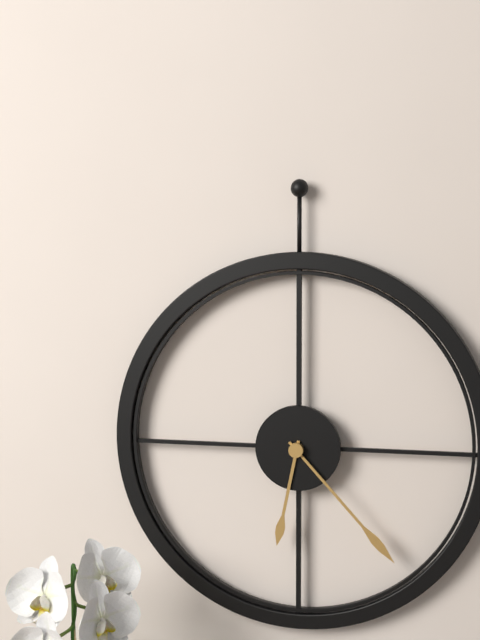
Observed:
6.23
